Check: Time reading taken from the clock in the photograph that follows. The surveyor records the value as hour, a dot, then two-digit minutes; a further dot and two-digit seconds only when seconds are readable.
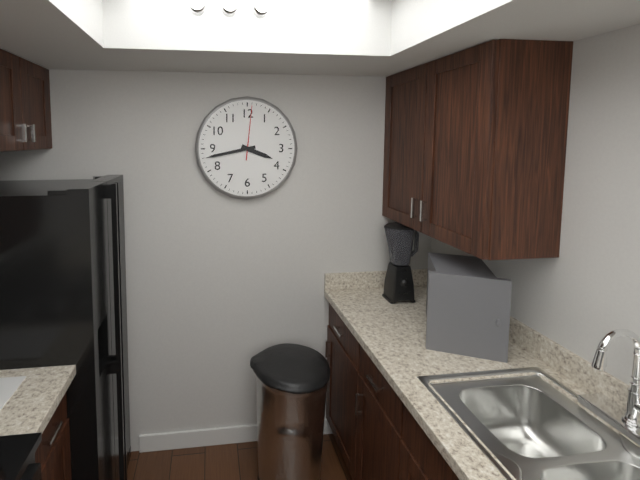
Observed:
3.43.01
